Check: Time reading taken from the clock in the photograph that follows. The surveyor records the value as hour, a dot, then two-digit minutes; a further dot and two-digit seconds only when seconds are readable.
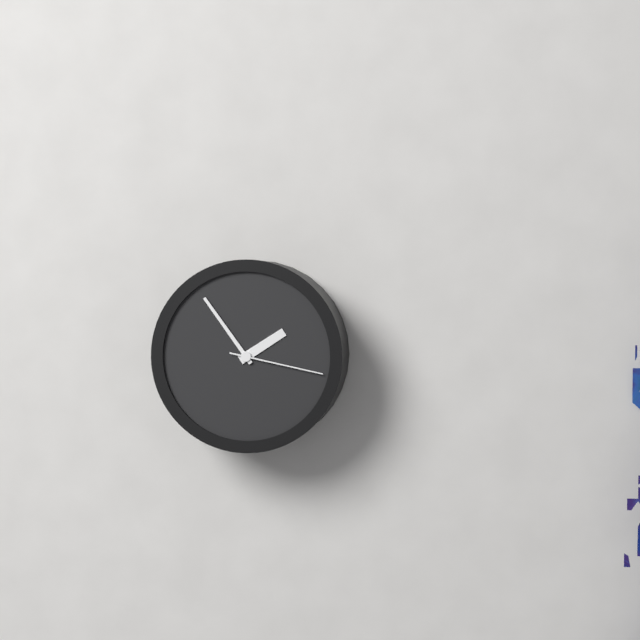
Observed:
1.54.17
